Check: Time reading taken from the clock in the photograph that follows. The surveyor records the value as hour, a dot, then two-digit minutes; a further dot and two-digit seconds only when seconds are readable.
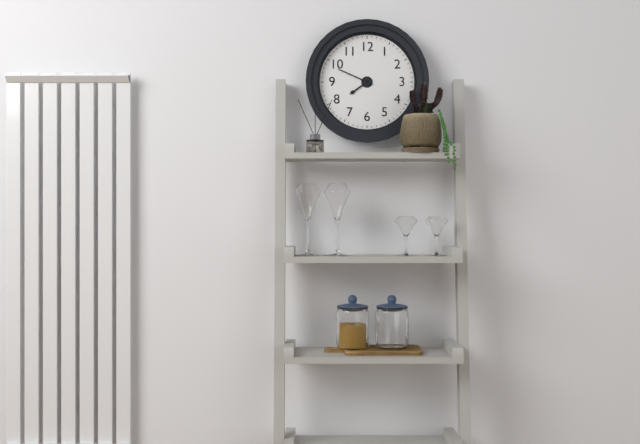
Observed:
7.49
